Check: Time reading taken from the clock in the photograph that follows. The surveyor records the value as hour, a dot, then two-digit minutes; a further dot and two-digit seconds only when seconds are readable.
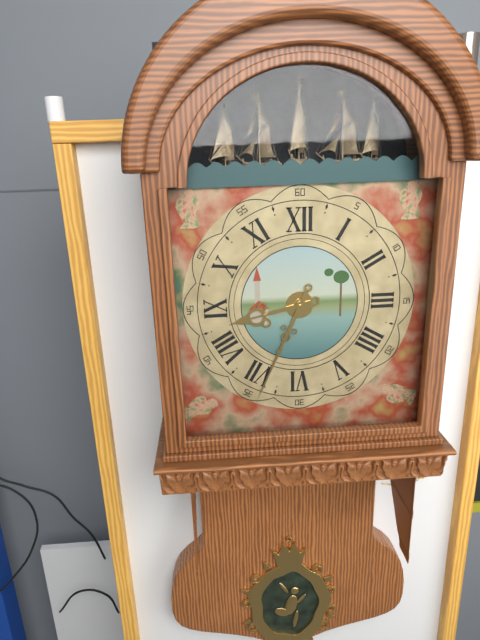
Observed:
8.34
